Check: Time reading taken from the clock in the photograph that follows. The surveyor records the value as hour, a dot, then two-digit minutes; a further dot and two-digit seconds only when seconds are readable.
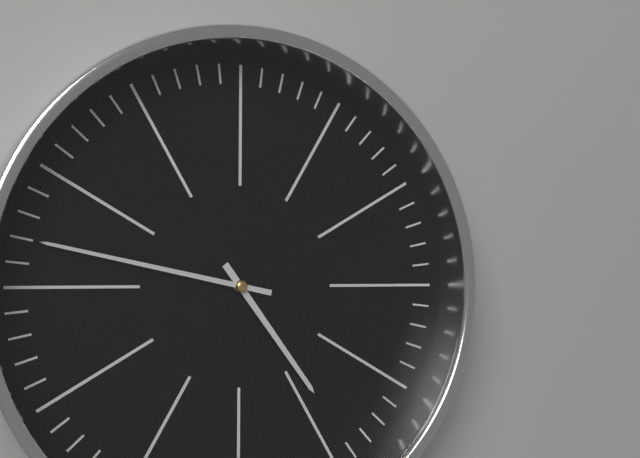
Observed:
4.47
